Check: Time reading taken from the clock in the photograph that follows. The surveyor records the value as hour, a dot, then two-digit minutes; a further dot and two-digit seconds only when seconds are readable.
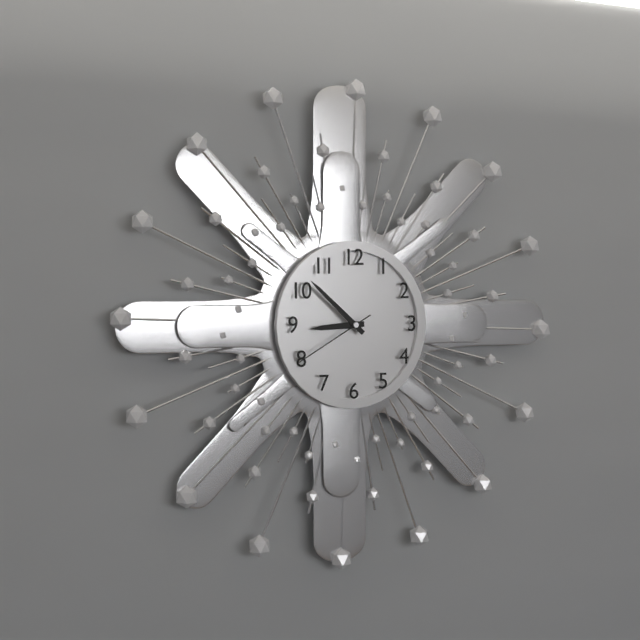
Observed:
8.52.40
